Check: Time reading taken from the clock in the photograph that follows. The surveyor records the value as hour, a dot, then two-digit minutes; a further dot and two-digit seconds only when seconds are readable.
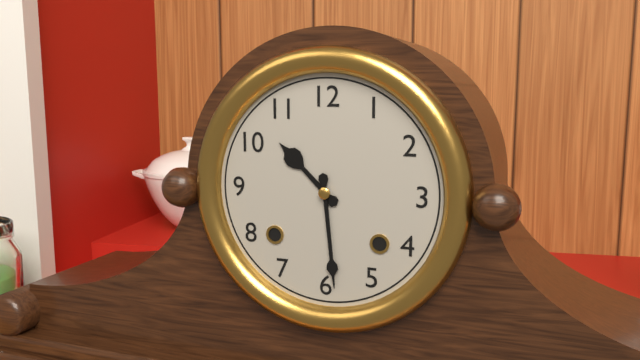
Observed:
10.29
